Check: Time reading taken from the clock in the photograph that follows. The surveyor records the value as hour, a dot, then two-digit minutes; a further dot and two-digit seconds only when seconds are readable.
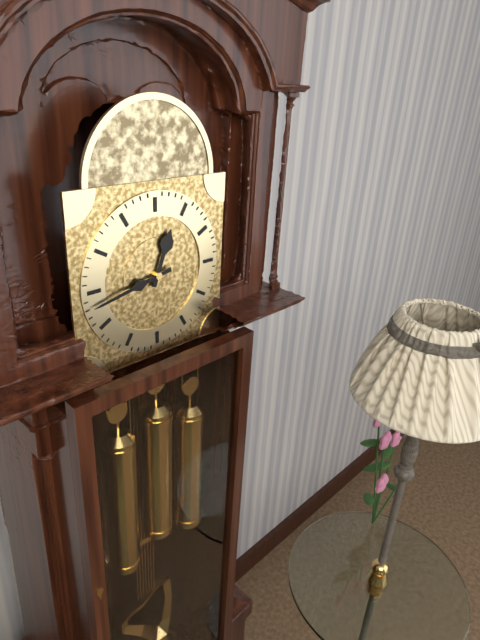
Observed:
12.43
